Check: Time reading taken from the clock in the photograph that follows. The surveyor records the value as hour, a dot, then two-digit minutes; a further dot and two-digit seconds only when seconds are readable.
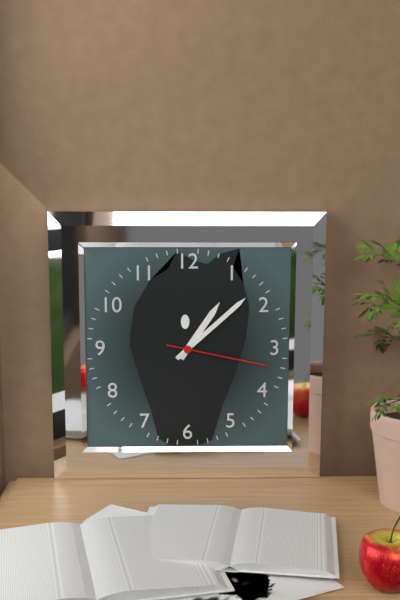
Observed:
1.08.17
